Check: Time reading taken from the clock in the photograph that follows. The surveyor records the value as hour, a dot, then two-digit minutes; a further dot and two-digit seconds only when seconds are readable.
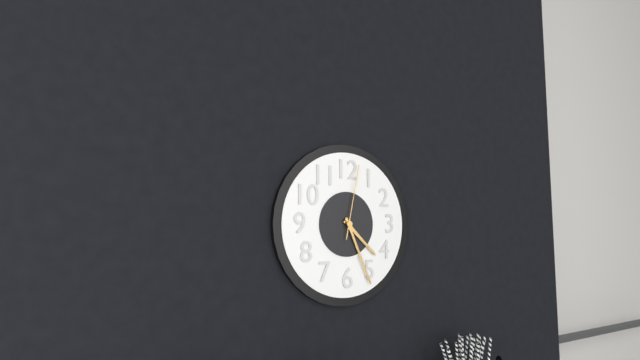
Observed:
4.26.02
